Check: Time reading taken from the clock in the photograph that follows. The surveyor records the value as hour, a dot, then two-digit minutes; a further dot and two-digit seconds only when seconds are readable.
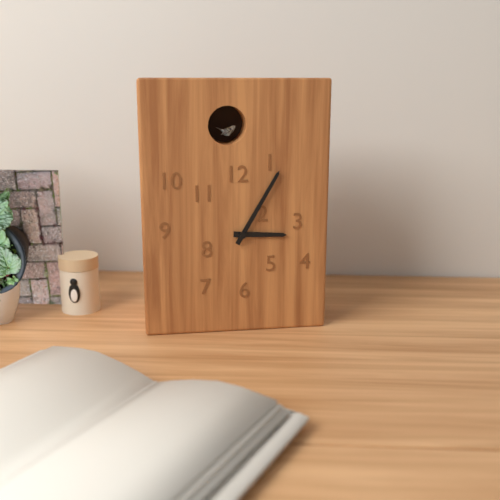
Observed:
3.05
